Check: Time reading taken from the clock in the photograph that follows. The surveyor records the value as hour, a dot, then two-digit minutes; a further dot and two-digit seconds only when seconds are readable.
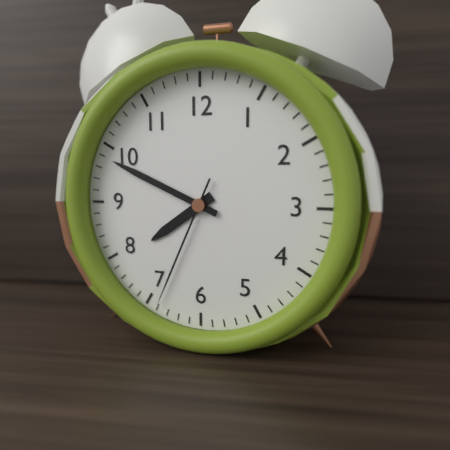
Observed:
7.49.34
